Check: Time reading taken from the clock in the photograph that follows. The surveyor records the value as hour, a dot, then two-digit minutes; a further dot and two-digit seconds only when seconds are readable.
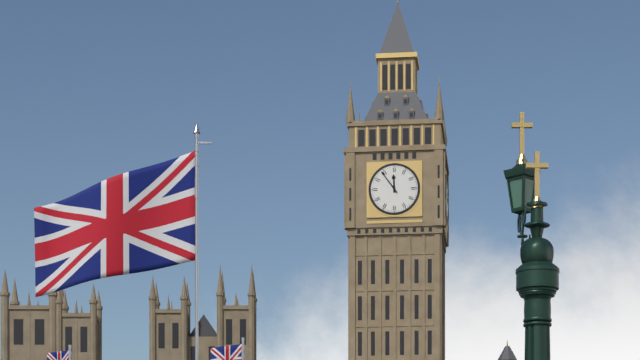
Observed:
11.54
